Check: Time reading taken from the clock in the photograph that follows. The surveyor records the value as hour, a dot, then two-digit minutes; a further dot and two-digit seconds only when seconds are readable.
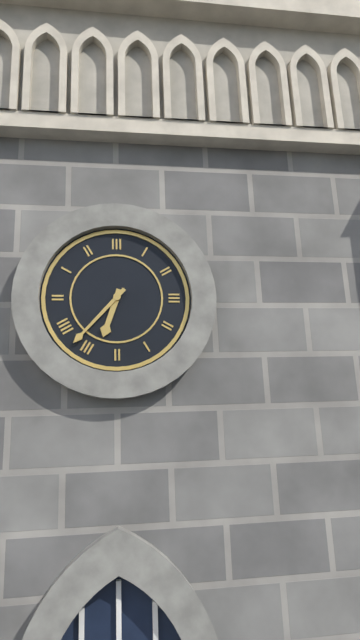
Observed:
6.37
